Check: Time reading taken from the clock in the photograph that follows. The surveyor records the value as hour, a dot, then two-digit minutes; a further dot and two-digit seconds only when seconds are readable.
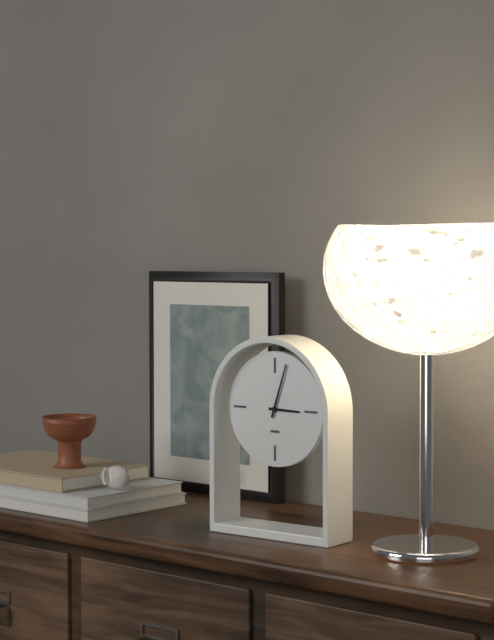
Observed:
3.03
